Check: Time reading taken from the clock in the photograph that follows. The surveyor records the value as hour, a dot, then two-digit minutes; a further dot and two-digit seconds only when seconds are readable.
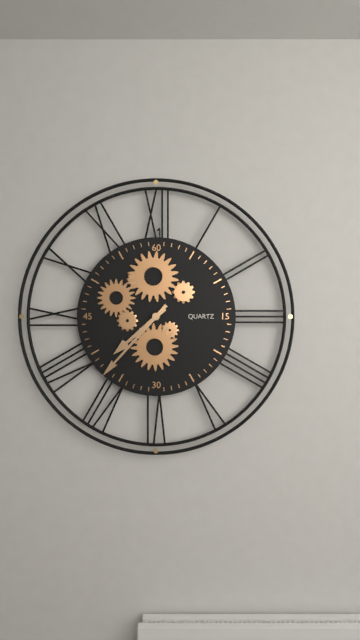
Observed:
7.37
